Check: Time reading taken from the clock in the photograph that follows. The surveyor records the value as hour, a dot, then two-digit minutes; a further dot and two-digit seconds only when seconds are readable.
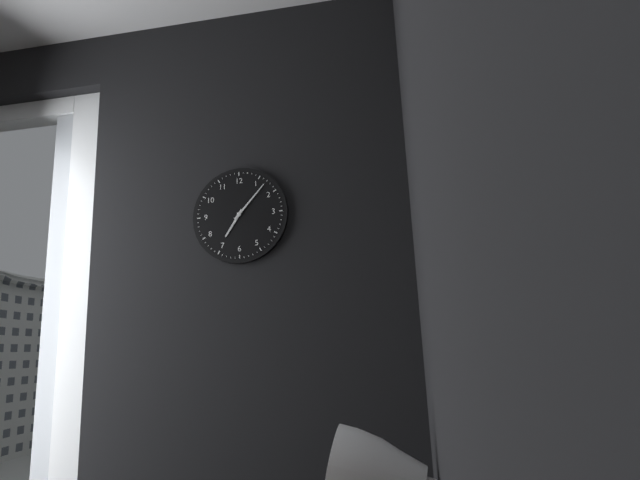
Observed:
7.07
